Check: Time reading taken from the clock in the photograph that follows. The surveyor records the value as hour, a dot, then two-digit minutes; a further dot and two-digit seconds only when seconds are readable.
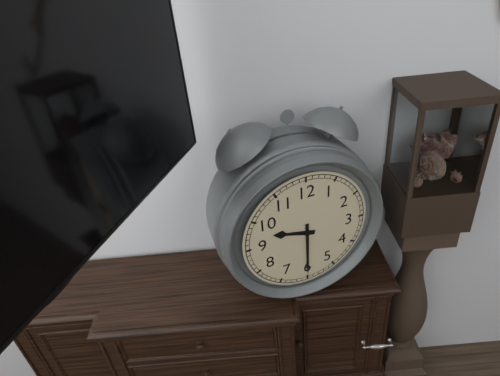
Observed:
9.30
